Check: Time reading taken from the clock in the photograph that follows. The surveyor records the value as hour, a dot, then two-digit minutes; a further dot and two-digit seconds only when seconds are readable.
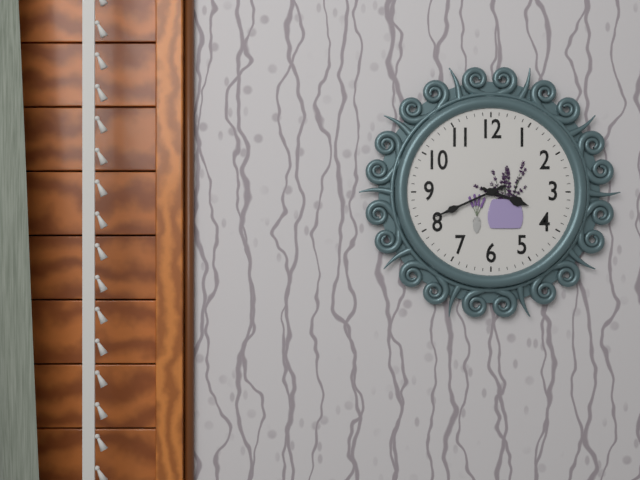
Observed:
3.41
